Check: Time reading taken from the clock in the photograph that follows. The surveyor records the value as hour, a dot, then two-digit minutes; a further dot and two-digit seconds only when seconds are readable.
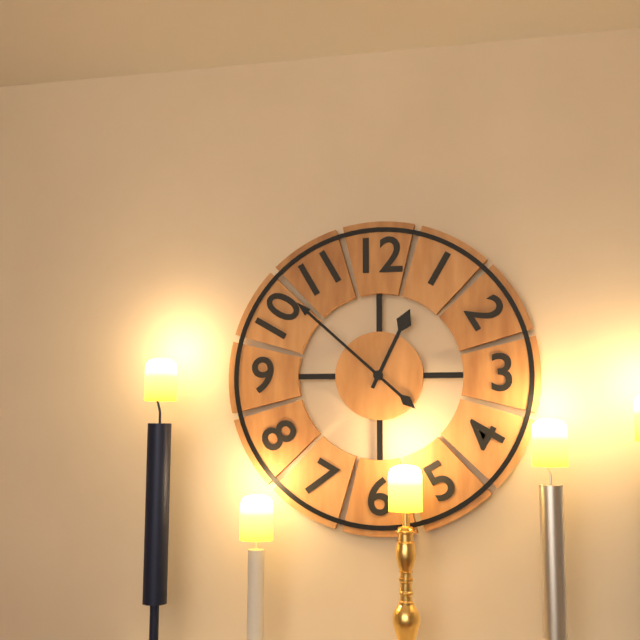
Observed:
12.52
